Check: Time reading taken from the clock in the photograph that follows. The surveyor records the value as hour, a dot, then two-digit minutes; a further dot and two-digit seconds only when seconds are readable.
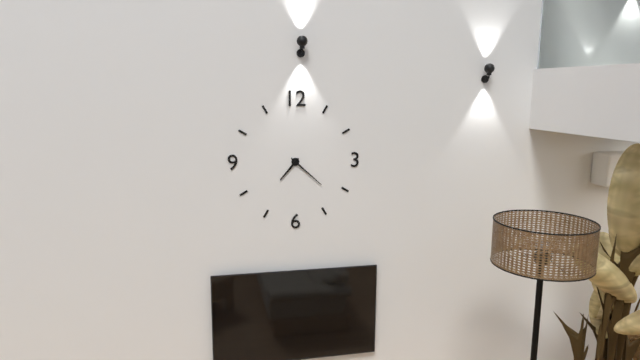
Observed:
7.22
